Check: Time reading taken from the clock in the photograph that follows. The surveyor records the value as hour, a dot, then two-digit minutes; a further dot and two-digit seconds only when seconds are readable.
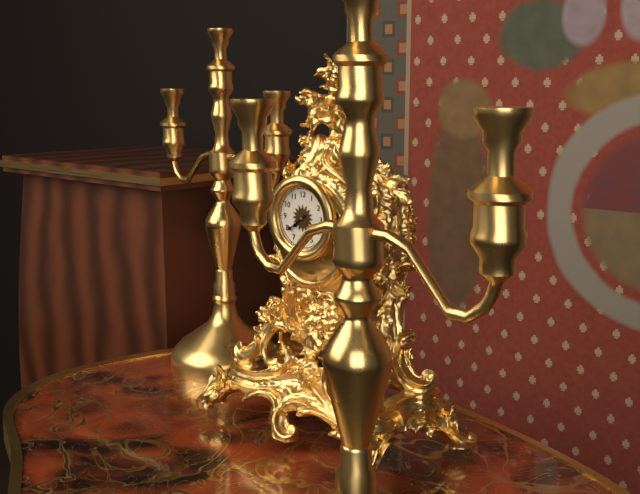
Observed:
7.39
